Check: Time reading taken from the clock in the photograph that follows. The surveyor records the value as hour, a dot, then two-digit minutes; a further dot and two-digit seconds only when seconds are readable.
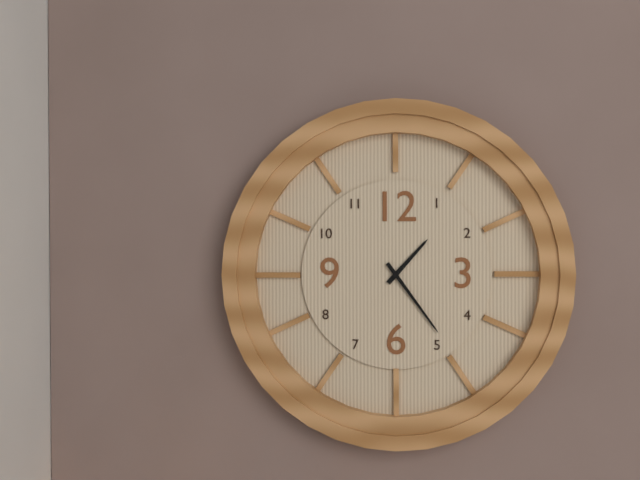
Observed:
1.24
